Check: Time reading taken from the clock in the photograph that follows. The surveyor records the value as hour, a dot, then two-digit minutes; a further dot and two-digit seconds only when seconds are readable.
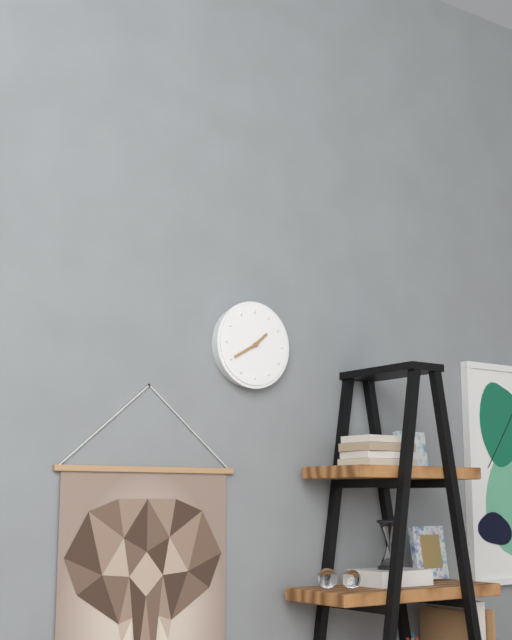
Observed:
1.40
